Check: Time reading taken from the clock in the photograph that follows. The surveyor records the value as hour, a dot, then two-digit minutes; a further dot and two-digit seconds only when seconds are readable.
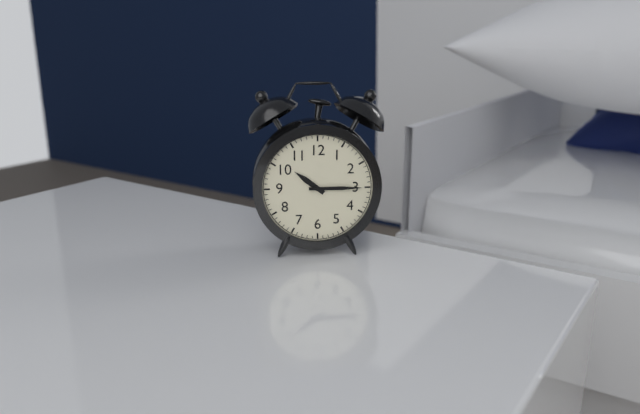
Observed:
10.15
